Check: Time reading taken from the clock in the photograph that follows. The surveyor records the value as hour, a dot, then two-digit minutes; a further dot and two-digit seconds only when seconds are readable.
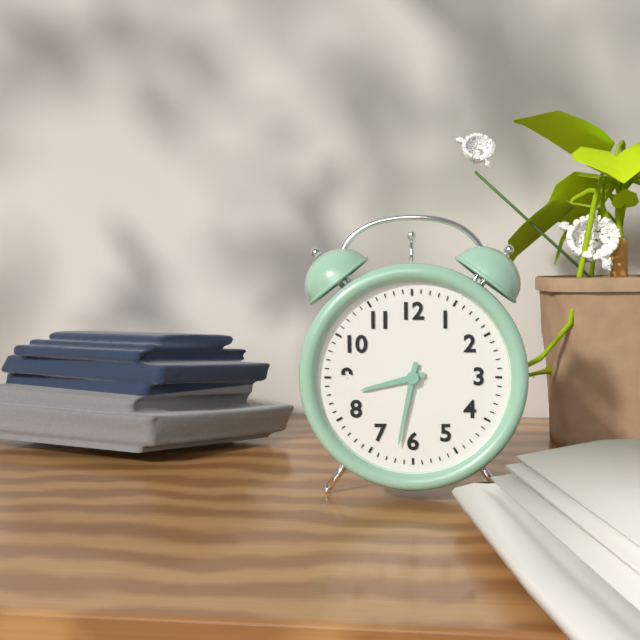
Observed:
8.32
